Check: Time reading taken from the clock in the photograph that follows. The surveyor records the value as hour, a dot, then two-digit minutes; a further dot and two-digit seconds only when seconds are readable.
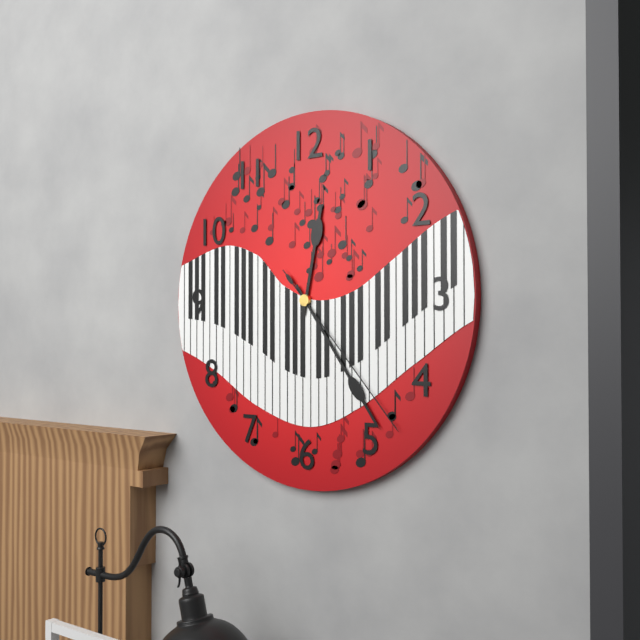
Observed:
12.24.23
